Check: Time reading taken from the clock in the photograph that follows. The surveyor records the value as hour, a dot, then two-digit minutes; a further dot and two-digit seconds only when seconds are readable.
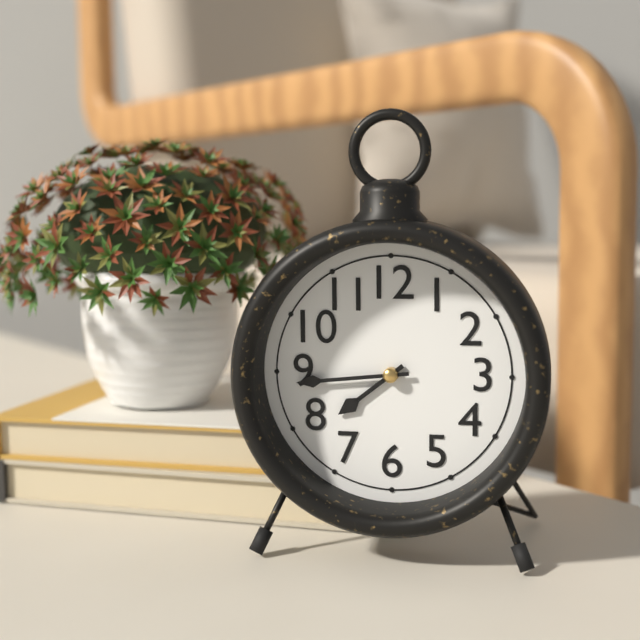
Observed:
7.44
